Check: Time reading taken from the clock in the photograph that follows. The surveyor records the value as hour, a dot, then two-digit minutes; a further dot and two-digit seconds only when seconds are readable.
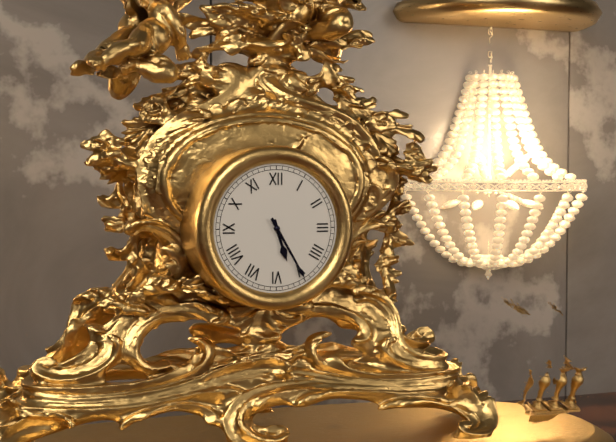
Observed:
5.25
